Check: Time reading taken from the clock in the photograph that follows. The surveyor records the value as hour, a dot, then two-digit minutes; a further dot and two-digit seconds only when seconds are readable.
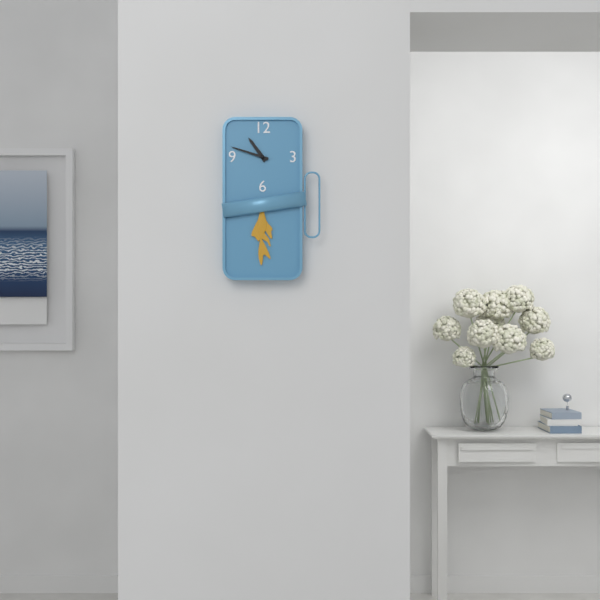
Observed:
10.48
